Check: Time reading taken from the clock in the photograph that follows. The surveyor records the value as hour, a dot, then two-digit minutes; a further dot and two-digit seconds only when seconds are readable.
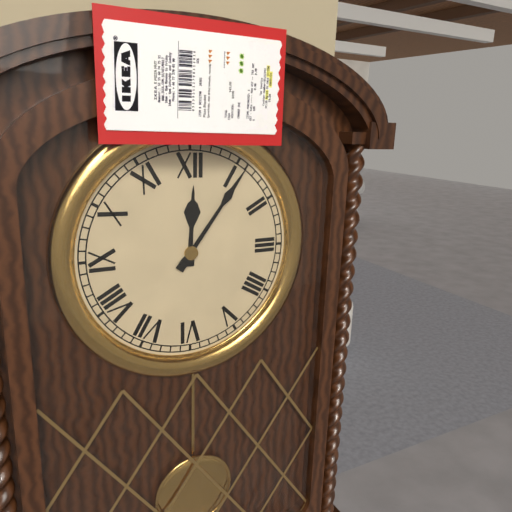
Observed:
12.06
